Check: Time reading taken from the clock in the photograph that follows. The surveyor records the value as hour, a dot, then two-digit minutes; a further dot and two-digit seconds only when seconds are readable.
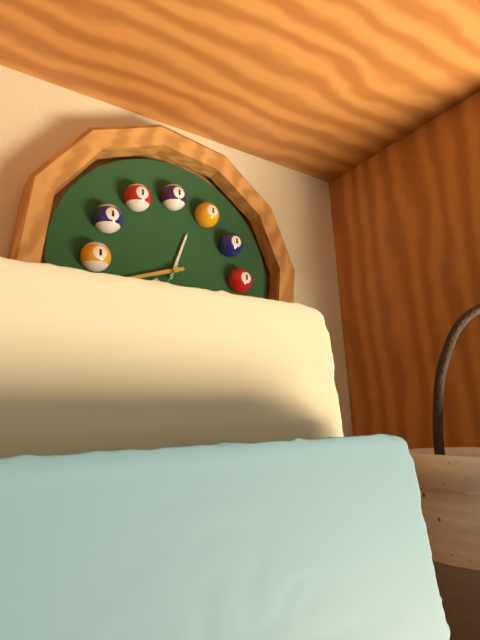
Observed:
12.42
